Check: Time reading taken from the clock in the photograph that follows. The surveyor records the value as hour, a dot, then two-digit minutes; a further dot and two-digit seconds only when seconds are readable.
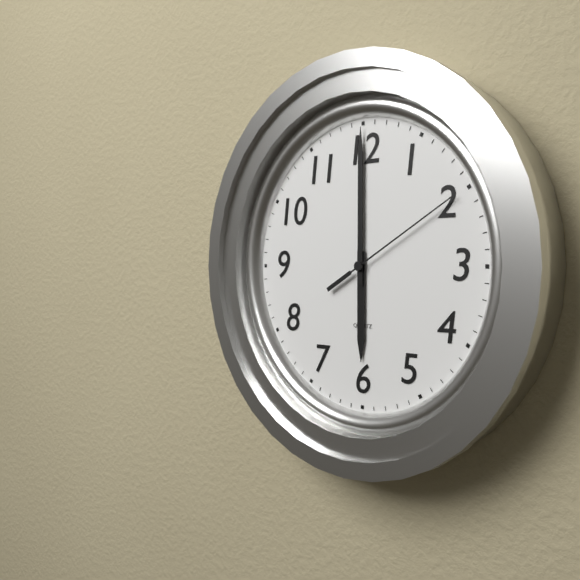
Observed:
6.00.10
